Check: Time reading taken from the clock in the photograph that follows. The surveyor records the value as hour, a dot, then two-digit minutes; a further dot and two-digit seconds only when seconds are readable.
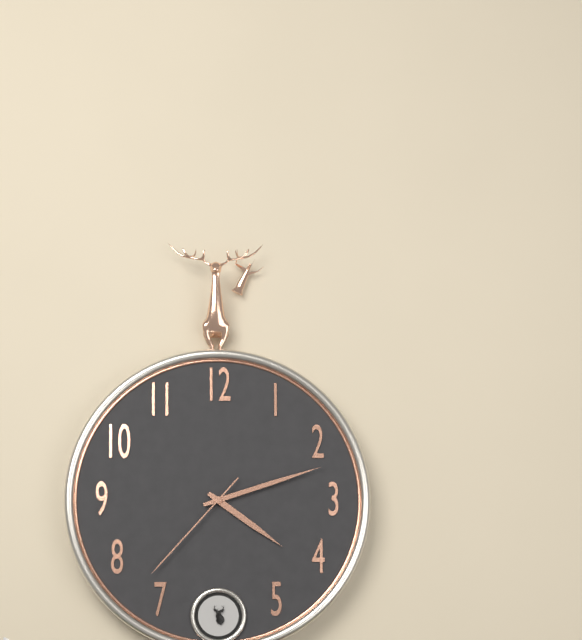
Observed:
4.12.37
